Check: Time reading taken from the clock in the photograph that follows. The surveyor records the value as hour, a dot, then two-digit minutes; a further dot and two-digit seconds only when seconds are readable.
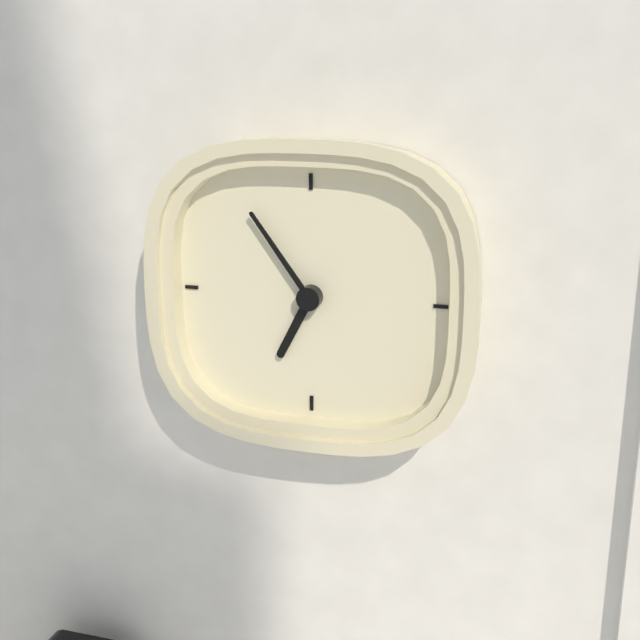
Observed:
6.54
